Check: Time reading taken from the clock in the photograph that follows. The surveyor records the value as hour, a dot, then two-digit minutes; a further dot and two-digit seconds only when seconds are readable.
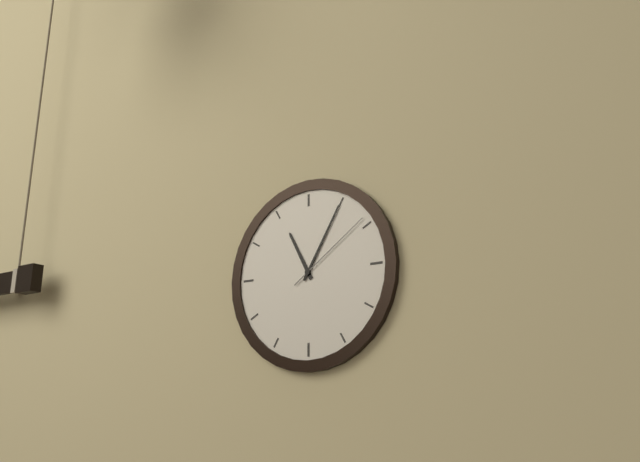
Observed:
11.05.09
